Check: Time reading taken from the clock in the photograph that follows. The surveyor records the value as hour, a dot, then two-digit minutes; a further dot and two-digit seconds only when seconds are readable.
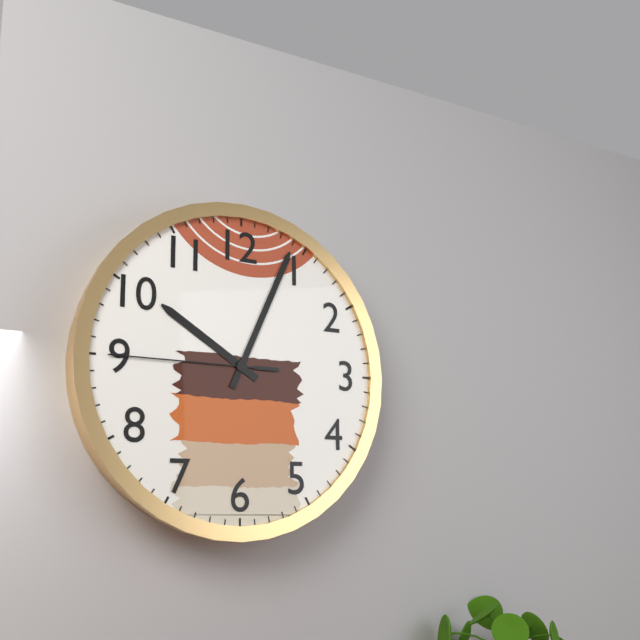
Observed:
10.04.45
